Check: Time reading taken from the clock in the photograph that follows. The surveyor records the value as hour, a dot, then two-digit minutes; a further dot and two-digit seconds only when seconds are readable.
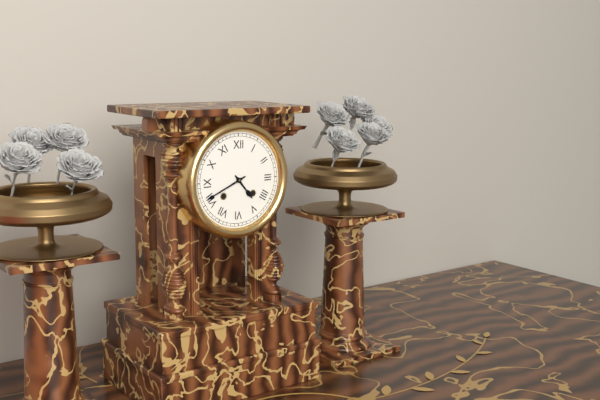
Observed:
4.41
